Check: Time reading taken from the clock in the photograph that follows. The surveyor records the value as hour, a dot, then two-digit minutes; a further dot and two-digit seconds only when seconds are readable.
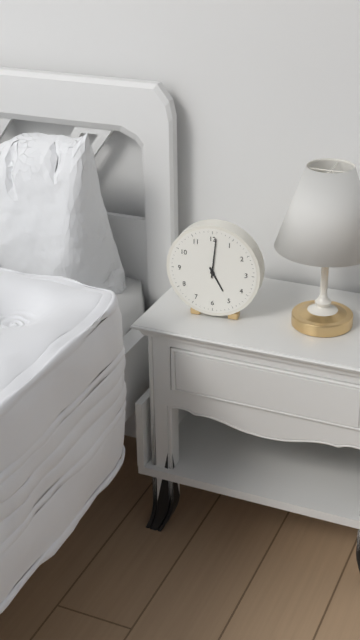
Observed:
5.01
